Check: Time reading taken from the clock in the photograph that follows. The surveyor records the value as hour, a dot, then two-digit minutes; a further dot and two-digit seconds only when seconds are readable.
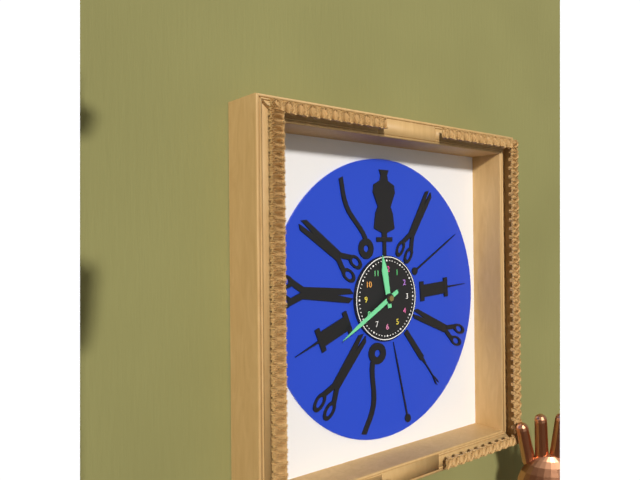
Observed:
11.40
